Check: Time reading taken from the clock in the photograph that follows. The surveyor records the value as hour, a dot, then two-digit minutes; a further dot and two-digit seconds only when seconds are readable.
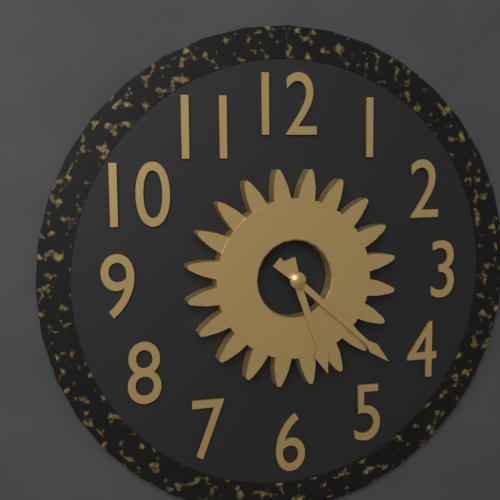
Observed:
5.22
